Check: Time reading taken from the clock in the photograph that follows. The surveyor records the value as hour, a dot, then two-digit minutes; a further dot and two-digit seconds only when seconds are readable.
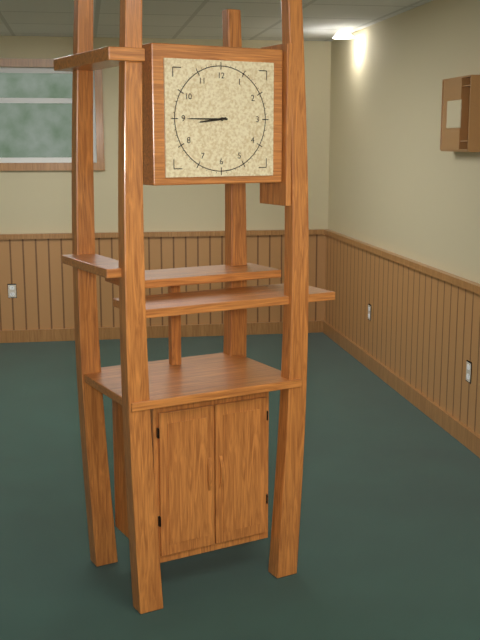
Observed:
8.45
